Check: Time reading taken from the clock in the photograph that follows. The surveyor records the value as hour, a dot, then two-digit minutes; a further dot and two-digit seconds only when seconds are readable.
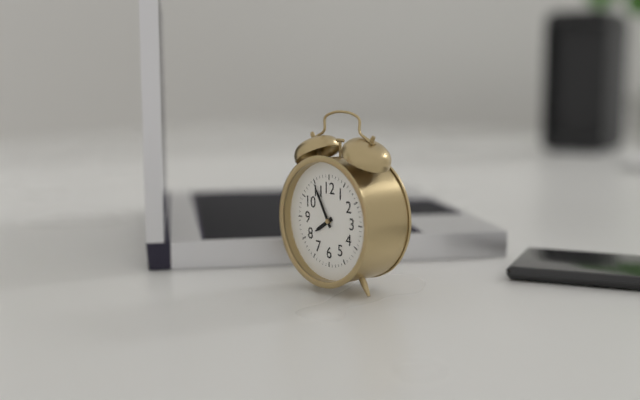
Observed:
7.55
